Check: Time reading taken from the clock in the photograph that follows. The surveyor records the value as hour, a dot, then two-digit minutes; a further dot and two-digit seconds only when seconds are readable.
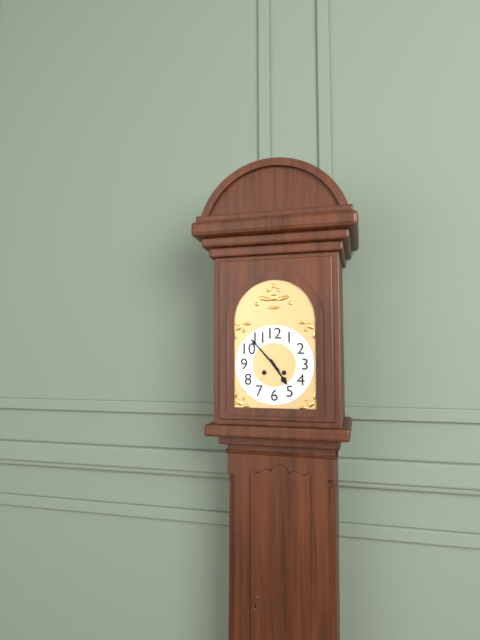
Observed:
4.53
